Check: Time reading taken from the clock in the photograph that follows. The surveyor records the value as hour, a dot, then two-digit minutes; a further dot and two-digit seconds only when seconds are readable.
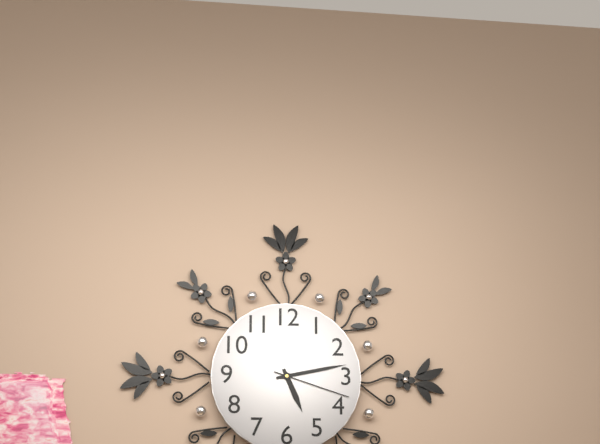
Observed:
5.13.18
